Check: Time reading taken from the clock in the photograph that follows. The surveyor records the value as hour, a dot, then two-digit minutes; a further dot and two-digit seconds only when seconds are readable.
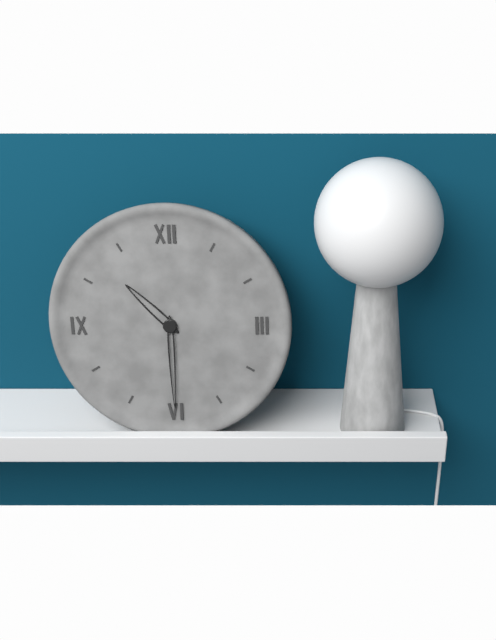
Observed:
10.30
